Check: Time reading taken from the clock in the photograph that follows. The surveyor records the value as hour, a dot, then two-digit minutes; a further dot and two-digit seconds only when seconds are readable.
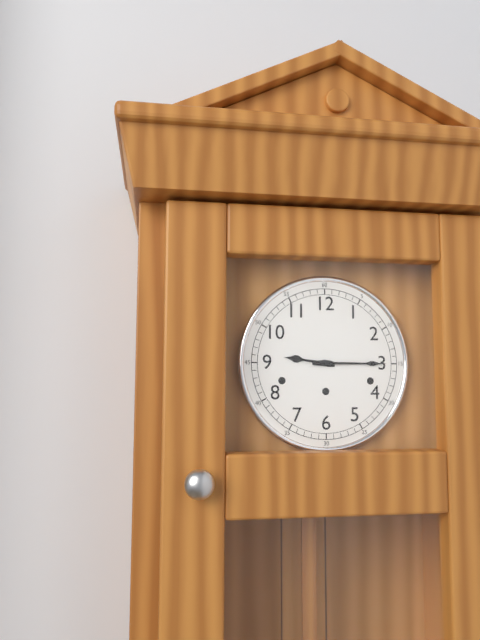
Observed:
9.15
